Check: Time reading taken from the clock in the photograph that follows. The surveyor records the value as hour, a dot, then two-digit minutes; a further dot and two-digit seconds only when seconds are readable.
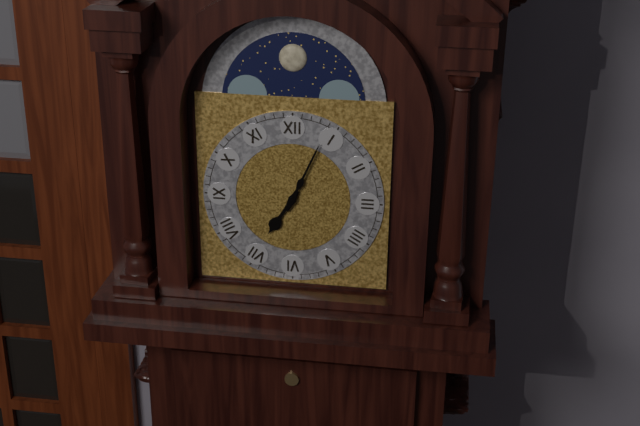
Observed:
7.04
